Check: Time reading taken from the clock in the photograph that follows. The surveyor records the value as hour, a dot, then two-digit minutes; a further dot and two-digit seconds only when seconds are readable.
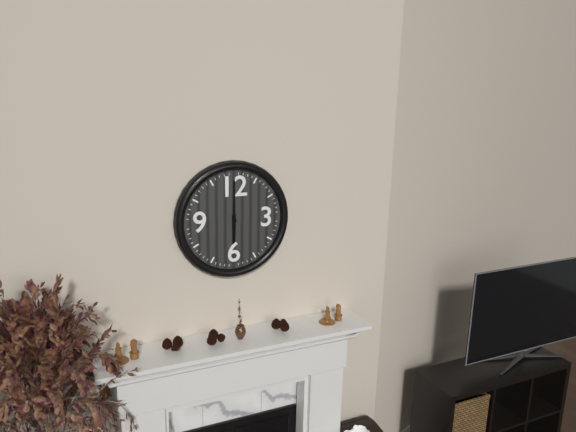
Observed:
6.00
